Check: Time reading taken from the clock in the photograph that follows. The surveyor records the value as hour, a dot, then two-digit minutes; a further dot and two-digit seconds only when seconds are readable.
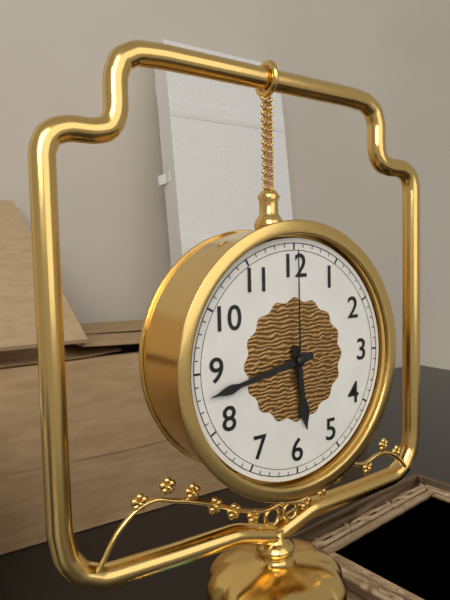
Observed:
5.43.00
